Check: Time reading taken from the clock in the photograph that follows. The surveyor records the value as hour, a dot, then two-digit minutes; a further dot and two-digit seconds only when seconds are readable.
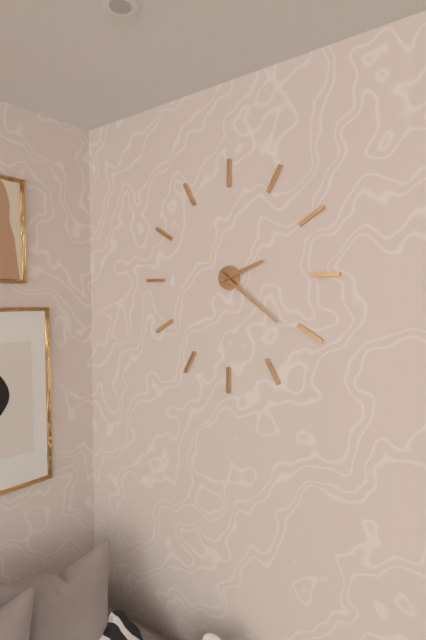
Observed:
2.21
